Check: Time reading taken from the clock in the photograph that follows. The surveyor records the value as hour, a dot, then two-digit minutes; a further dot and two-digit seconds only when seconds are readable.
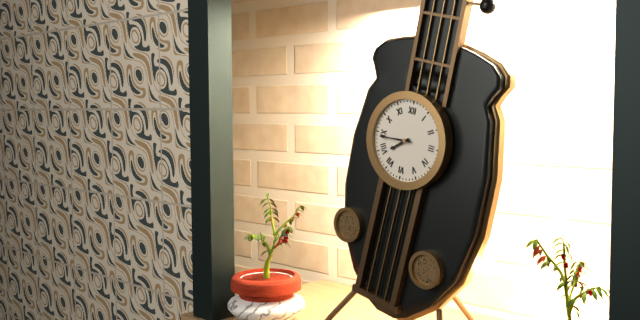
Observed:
7.44
